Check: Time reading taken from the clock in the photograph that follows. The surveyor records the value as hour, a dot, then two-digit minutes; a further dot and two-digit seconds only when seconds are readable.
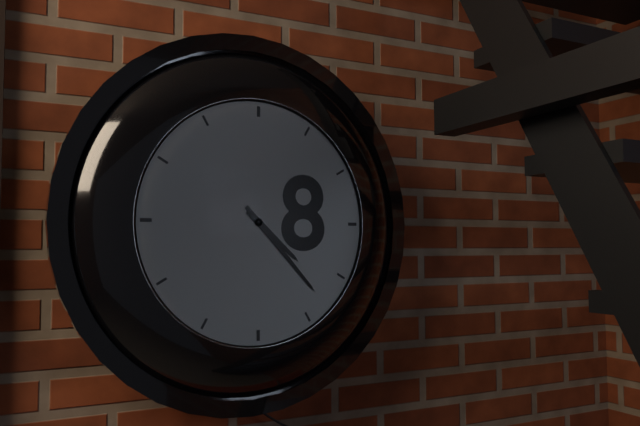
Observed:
4.23
